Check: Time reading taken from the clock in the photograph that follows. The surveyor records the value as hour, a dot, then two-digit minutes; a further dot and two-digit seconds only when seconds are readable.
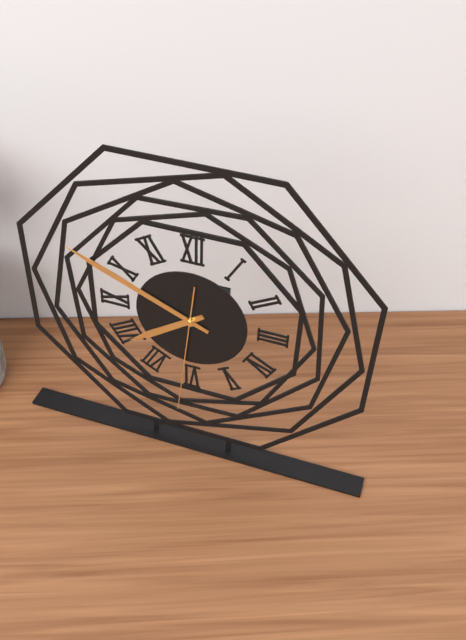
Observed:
7.49.31
